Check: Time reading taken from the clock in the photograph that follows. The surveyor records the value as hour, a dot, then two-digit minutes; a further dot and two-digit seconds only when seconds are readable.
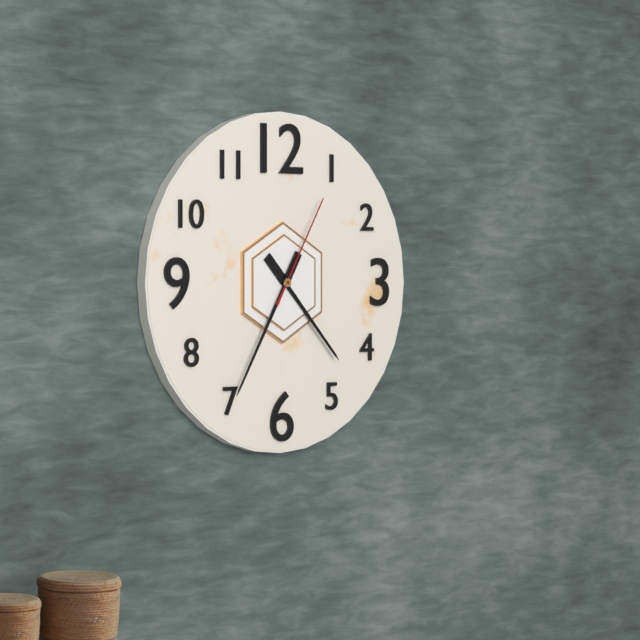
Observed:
4.35.05
